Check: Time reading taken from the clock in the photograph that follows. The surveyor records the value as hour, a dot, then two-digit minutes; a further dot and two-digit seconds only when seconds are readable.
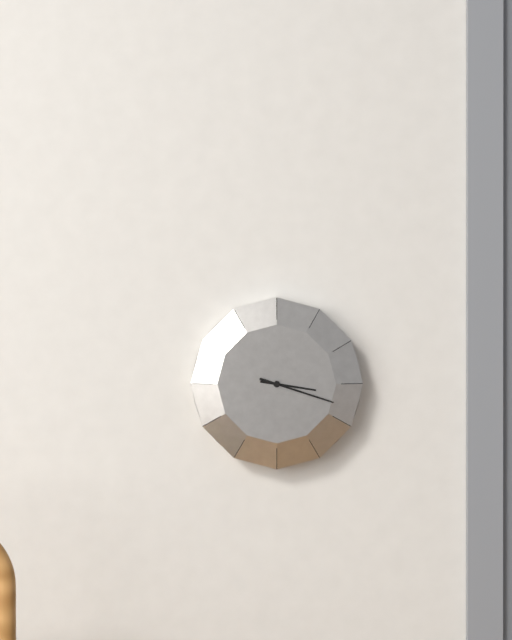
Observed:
3.18
